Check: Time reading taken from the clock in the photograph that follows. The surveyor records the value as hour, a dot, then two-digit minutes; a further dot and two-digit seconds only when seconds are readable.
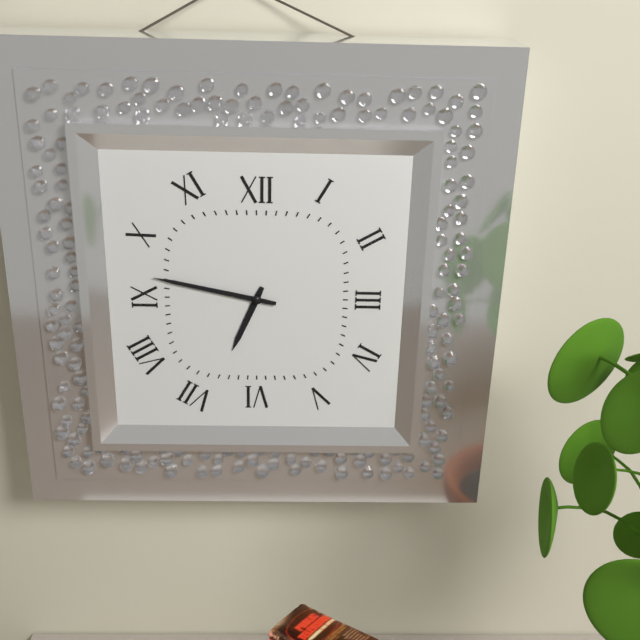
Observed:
6.47
